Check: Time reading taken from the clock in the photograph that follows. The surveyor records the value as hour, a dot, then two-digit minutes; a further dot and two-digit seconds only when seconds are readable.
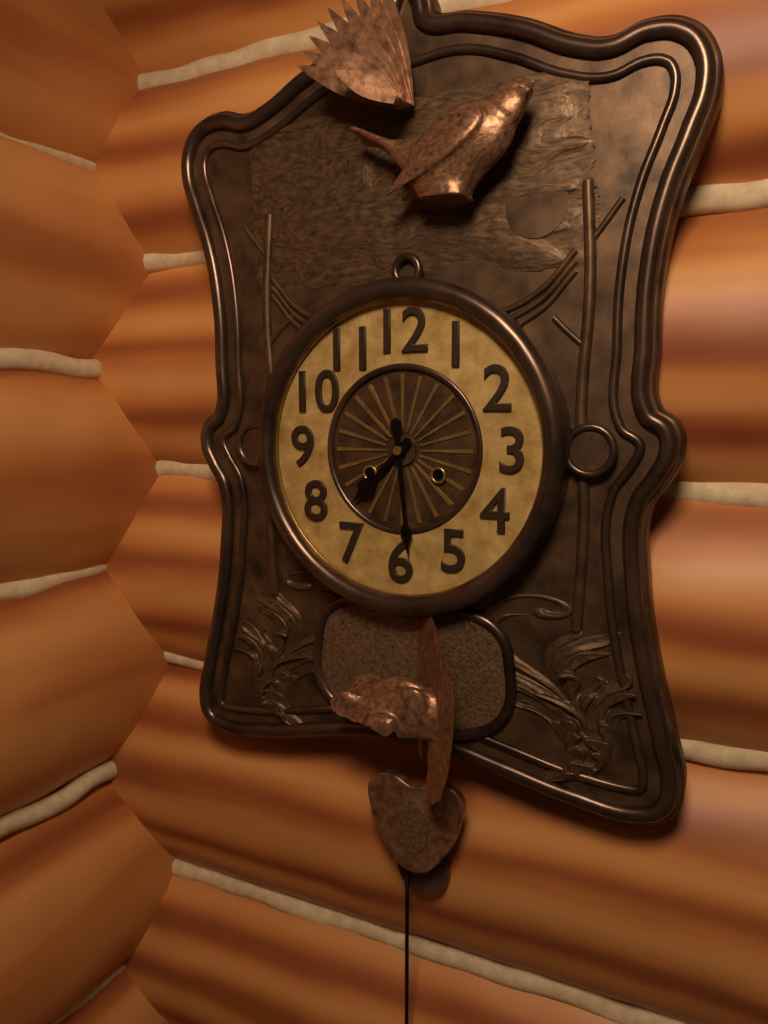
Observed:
7.29
